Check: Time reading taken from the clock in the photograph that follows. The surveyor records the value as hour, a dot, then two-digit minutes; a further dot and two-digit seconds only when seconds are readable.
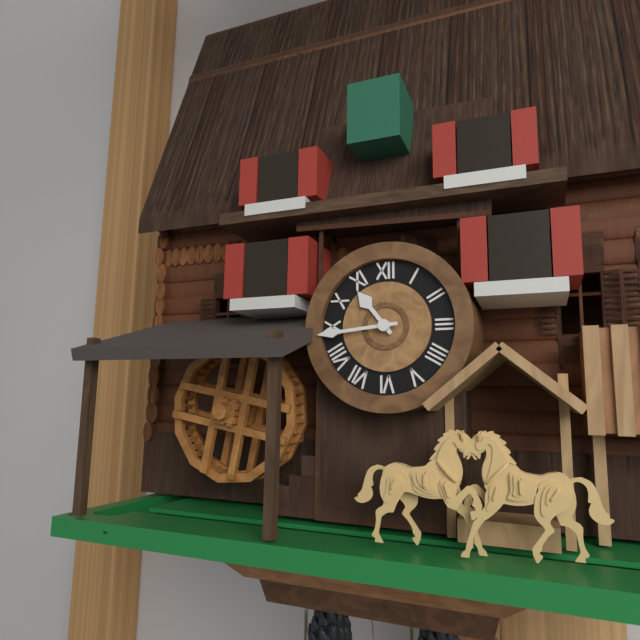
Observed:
10.44
